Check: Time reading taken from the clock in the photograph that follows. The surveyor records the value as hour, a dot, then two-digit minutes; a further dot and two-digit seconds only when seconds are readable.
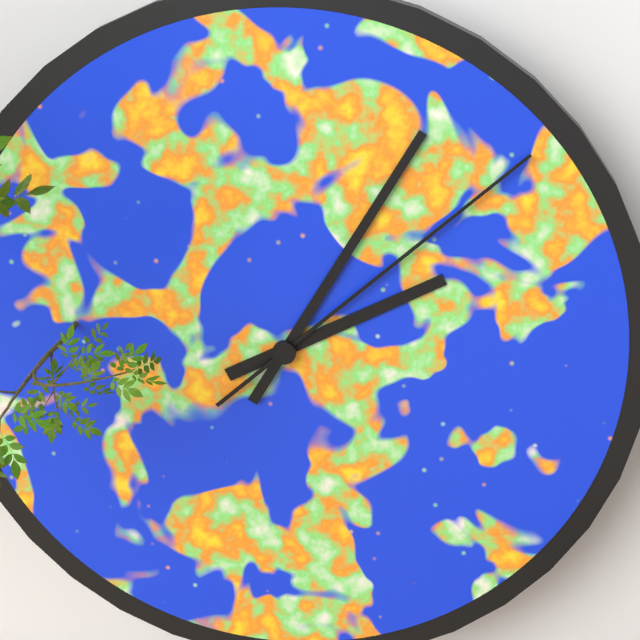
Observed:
2.05.08
